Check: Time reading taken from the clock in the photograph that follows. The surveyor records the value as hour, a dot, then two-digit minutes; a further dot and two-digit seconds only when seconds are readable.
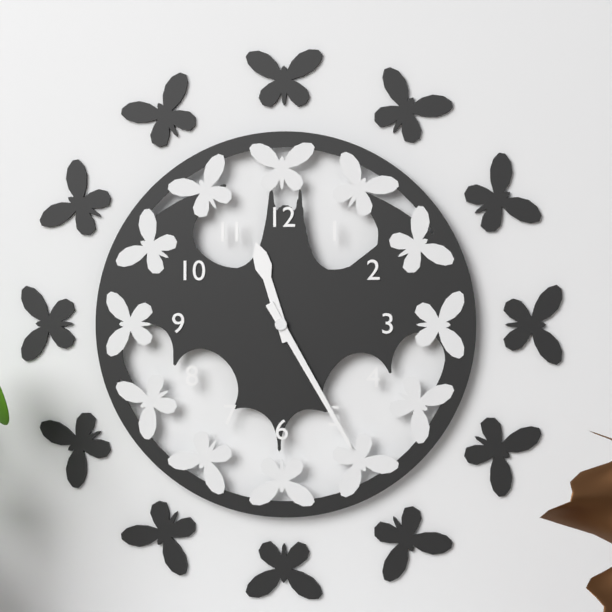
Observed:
11.25
